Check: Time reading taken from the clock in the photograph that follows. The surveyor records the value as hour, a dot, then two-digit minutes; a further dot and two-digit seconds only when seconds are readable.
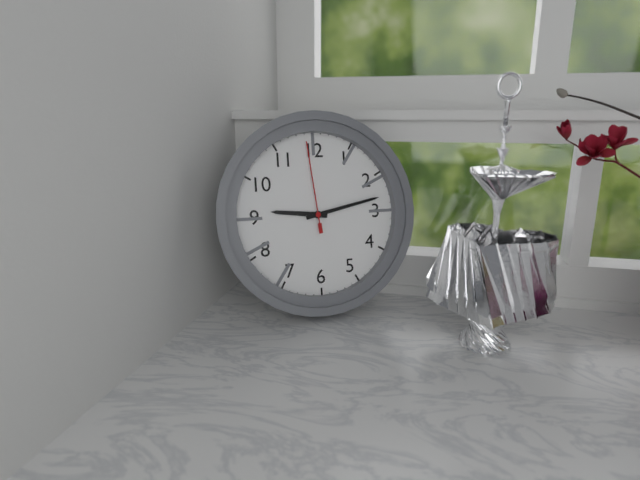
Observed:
9.13.59
